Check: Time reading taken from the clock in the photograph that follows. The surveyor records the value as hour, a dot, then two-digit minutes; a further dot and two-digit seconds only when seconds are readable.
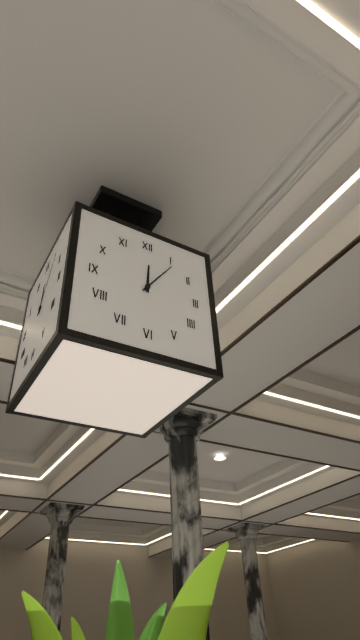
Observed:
12.06
